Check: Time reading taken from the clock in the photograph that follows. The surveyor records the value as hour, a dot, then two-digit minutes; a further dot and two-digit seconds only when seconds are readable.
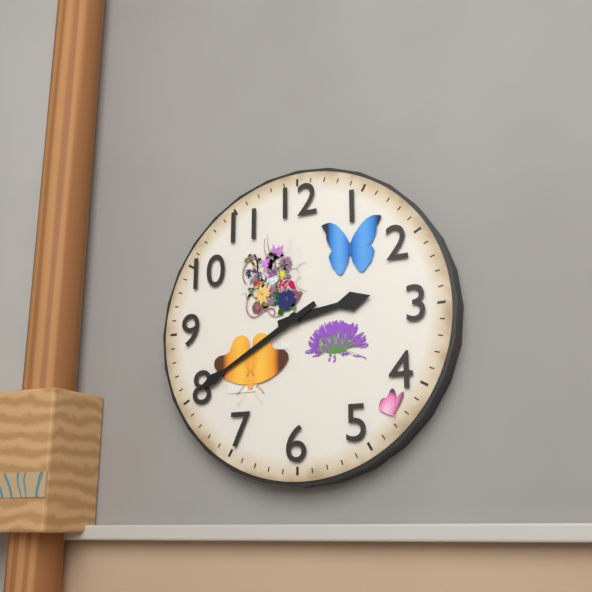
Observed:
2.40
